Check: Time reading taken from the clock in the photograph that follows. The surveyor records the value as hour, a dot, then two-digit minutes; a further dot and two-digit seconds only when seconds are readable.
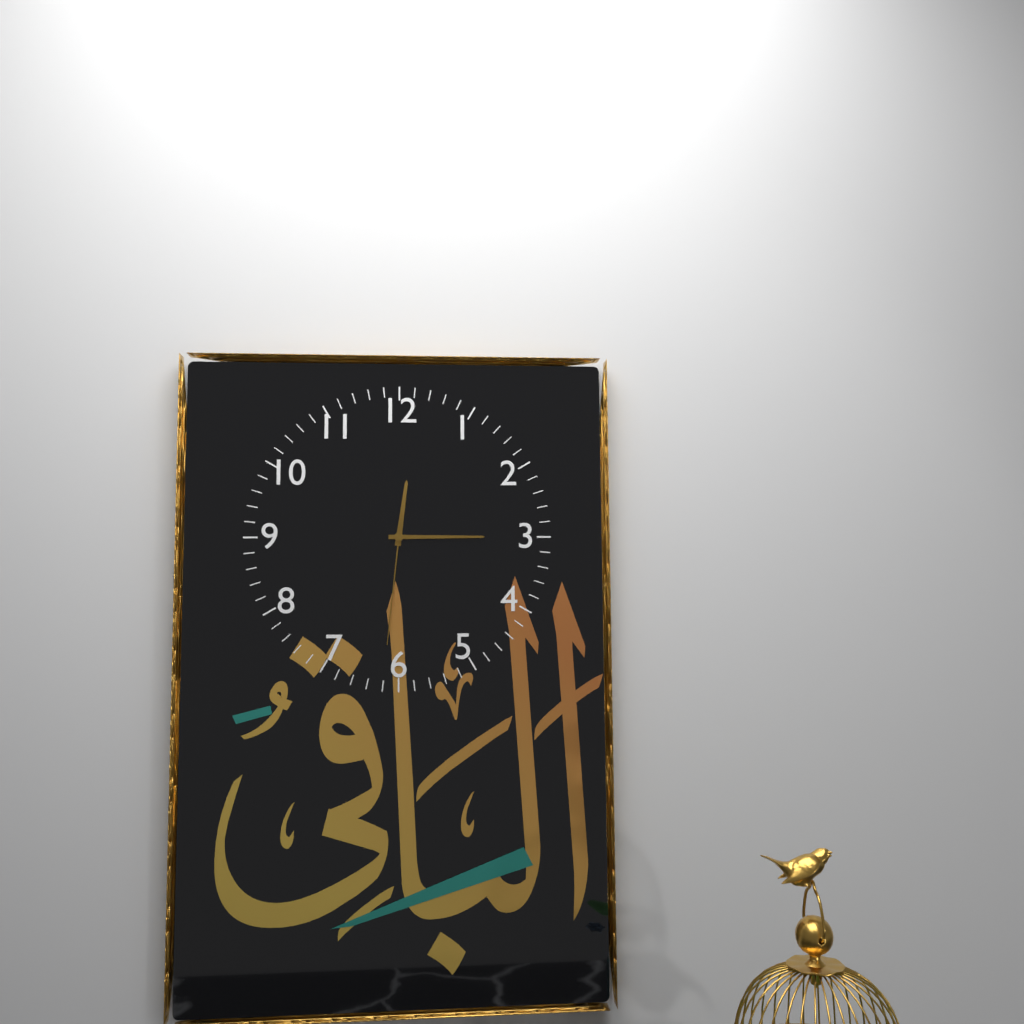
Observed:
12.15.31
